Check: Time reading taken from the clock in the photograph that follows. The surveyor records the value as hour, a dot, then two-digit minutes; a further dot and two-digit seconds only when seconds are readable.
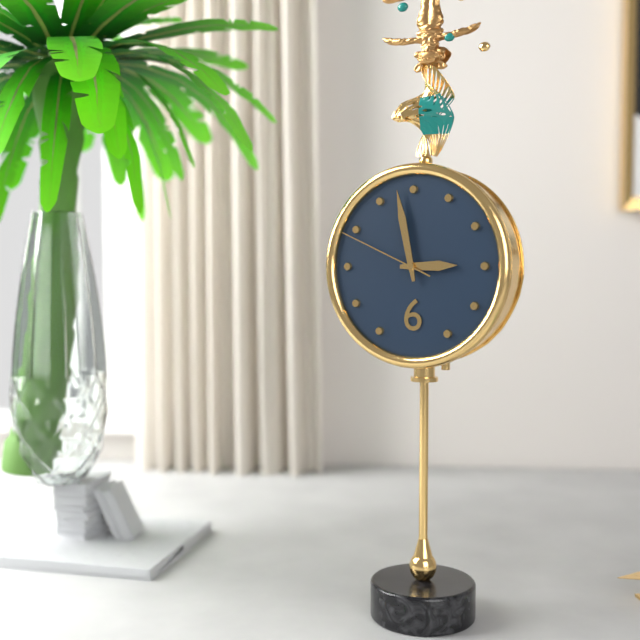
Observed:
2.58.49
